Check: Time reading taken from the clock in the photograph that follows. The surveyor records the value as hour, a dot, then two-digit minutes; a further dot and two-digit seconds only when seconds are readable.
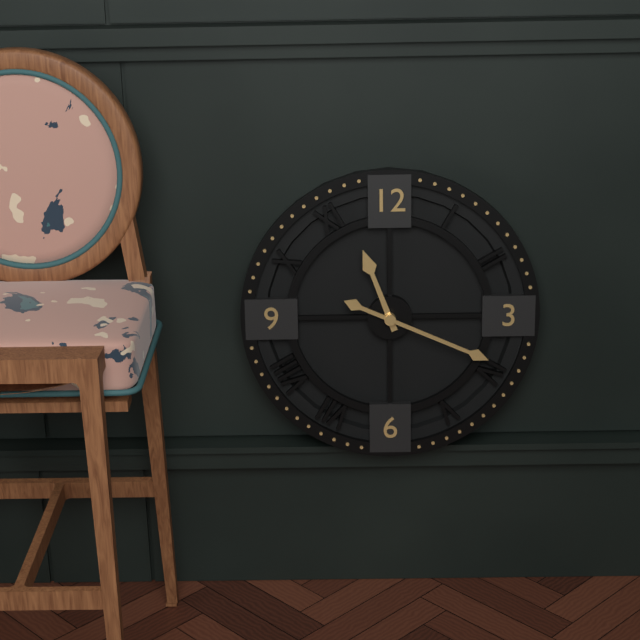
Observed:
11.19
